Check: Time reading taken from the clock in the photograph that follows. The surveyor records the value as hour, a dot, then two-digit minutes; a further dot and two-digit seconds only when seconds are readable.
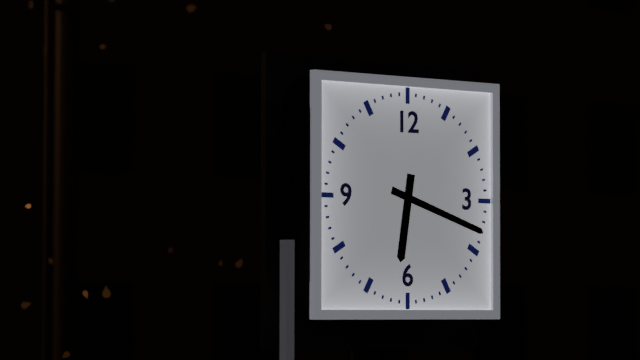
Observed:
6.18
